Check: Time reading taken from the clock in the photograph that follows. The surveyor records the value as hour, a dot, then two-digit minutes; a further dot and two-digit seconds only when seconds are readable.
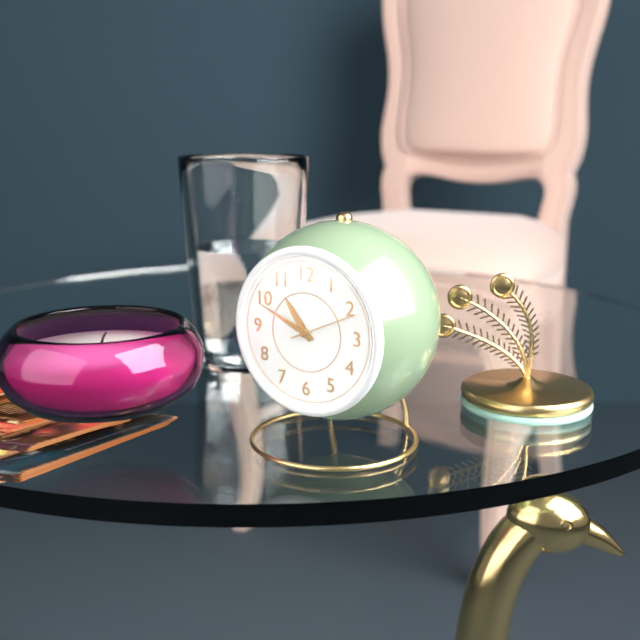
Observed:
10.49.11
